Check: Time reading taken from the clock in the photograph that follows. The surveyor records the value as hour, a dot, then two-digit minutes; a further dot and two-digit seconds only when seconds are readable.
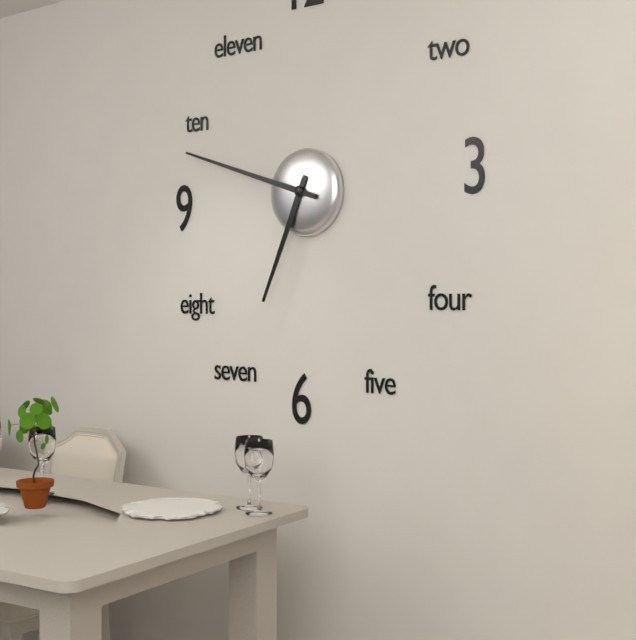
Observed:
6.48
